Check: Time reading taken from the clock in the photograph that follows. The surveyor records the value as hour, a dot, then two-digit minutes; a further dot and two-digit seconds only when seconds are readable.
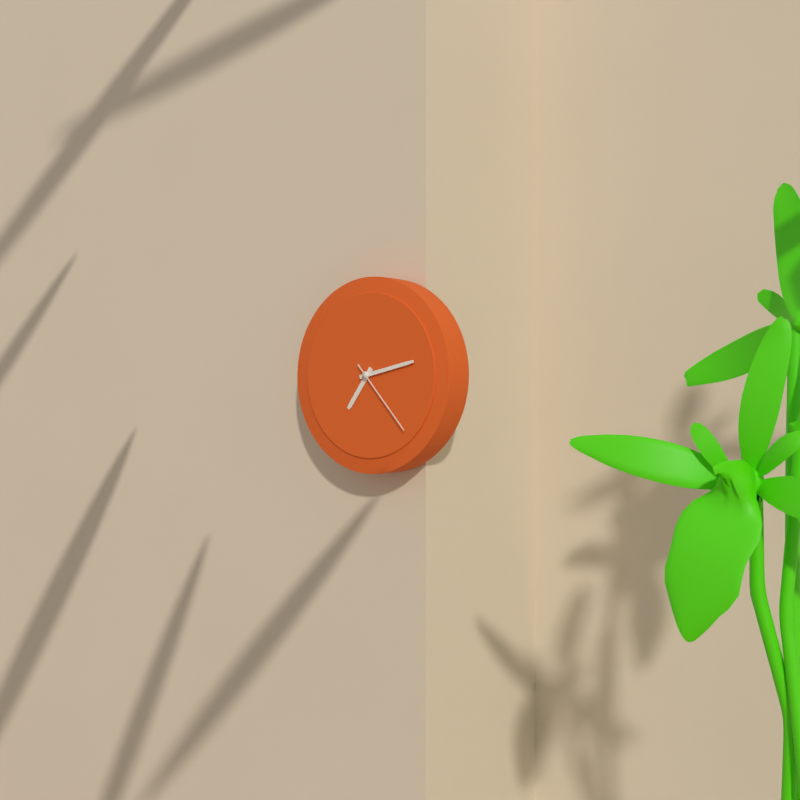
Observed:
7.13.23
